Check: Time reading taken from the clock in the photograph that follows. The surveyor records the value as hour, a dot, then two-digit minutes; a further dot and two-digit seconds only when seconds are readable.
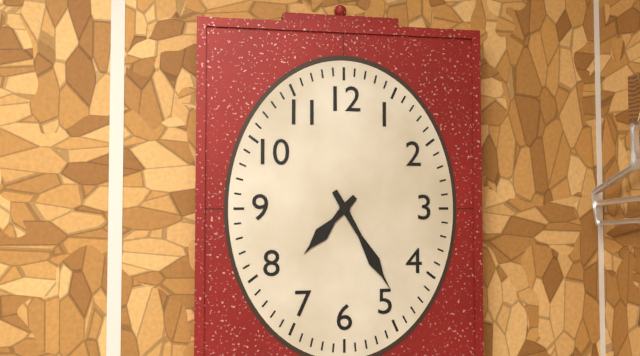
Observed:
7.25
